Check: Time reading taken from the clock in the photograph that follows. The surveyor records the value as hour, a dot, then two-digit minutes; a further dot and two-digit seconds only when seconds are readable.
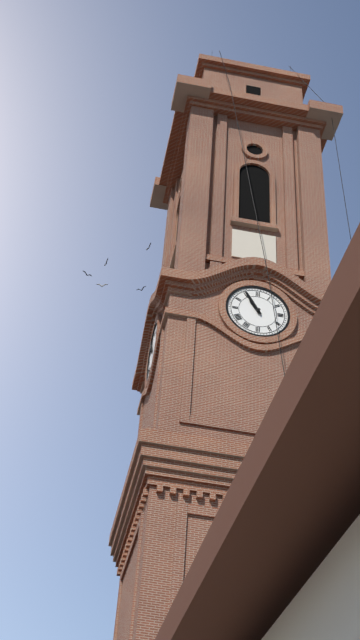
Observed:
10.55
